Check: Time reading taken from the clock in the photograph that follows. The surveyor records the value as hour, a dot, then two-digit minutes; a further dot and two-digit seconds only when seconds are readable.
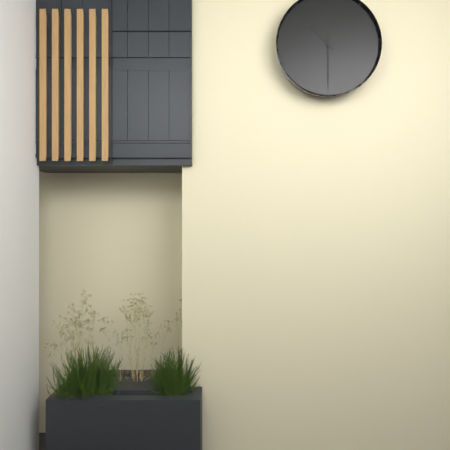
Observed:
10.30
